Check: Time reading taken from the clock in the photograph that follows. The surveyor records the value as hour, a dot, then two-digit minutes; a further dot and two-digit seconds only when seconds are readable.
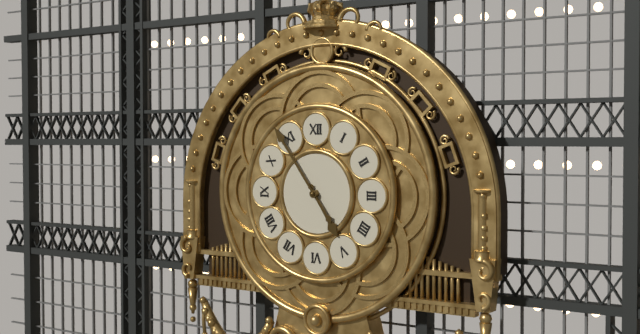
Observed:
4.54
